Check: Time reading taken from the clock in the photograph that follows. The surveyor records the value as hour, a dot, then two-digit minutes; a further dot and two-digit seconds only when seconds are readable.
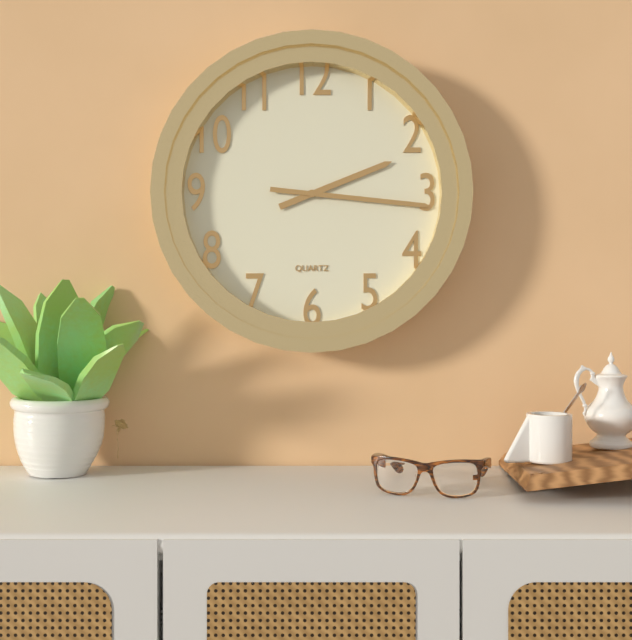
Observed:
2.16
